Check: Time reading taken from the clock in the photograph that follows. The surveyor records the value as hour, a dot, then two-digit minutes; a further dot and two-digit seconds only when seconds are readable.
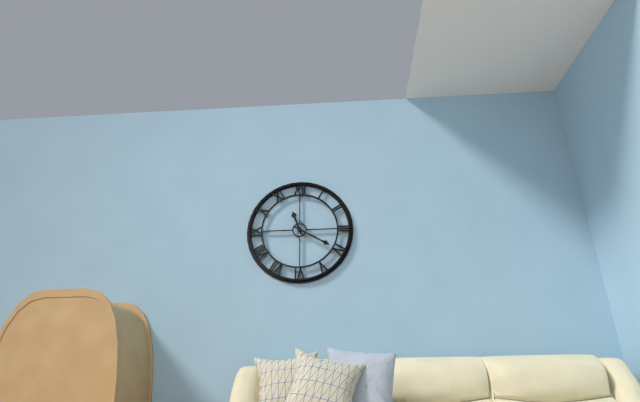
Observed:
11.20
